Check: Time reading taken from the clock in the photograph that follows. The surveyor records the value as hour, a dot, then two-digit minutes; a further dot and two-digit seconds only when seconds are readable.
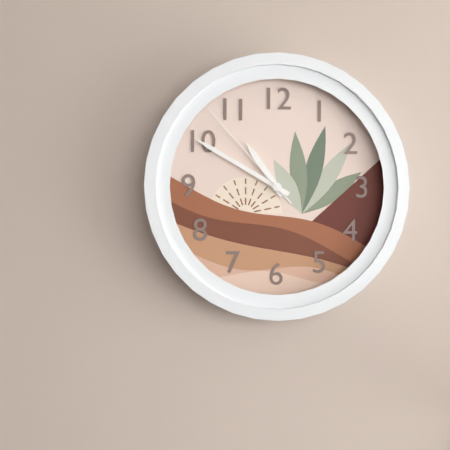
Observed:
10.50.53
